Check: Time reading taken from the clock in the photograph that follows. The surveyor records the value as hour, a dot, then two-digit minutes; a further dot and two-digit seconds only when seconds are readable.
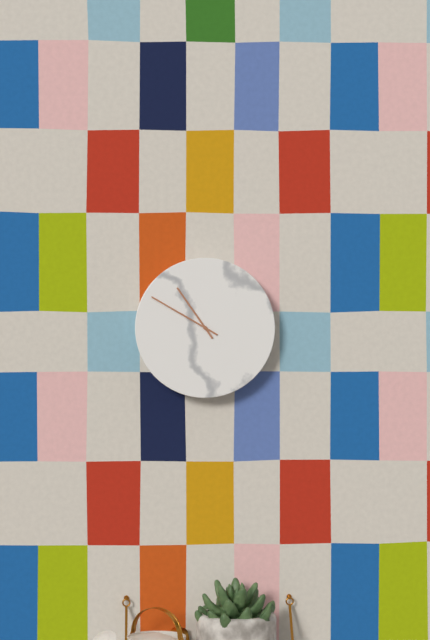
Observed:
10.50
